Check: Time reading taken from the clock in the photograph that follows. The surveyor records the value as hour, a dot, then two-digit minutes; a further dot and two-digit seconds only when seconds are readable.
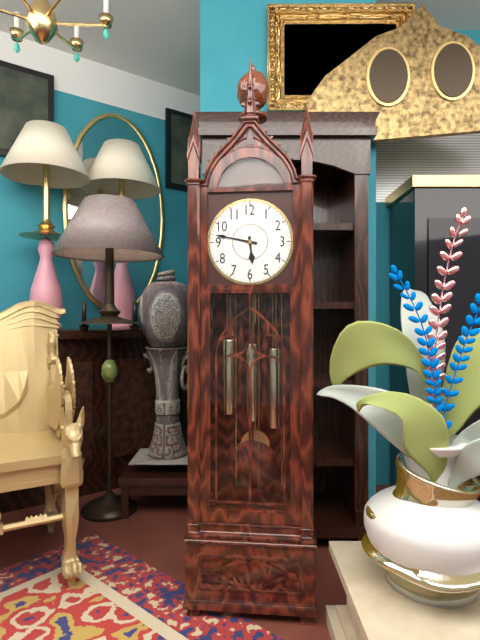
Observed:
5.47
